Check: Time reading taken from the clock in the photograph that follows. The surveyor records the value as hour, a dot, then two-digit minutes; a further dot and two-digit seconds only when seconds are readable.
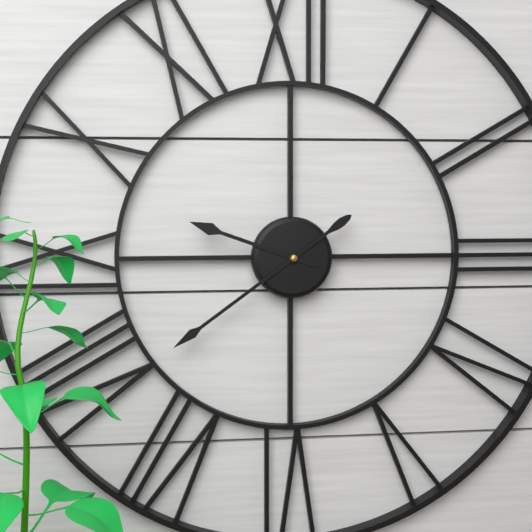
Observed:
9.39
